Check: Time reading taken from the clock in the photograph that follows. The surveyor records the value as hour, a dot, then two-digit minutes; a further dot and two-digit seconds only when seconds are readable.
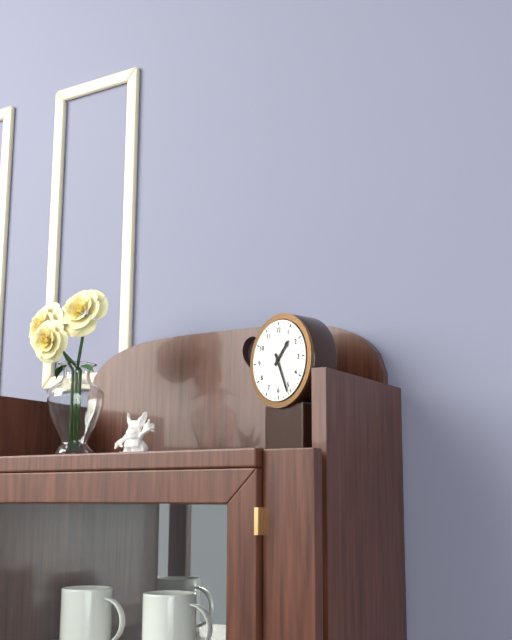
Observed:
1.26
